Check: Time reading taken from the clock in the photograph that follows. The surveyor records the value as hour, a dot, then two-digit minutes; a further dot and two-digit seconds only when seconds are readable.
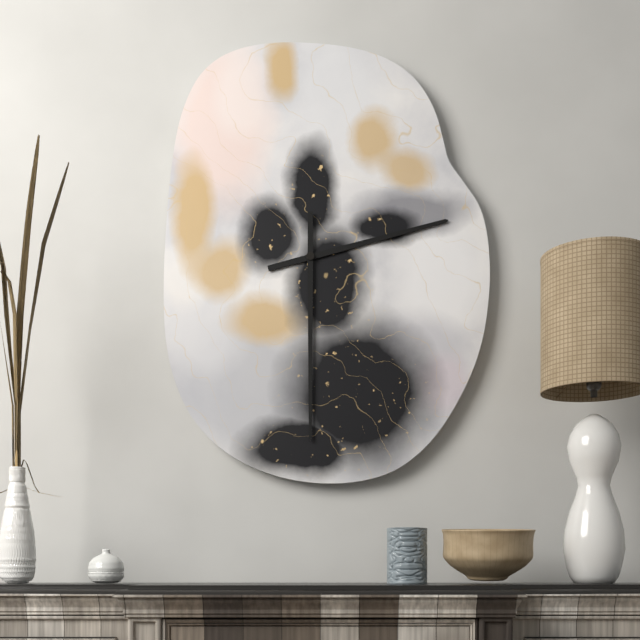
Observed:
2.30
